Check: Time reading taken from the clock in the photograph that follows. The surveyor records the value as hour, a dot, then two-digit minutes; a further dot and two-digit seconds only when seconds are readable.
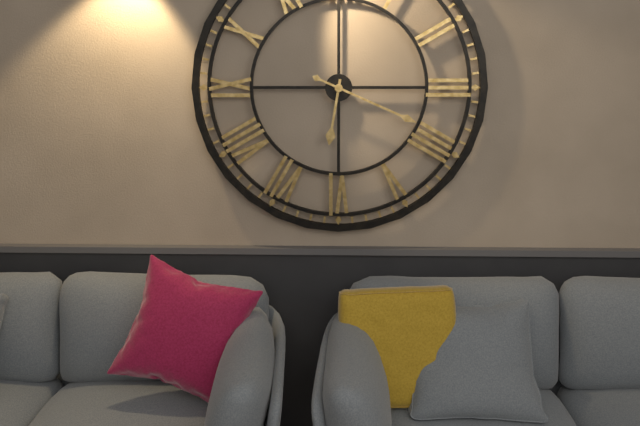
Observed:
6.19
